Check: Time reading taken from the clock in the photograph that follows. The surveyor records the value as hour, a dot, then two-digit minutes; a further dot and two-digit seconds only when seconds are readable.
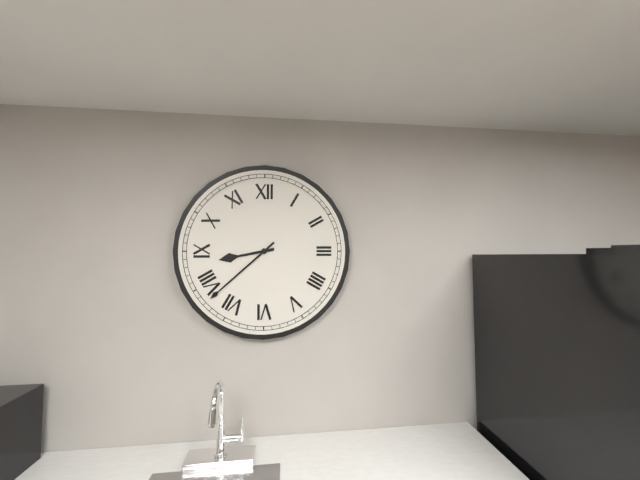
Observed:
8.38
